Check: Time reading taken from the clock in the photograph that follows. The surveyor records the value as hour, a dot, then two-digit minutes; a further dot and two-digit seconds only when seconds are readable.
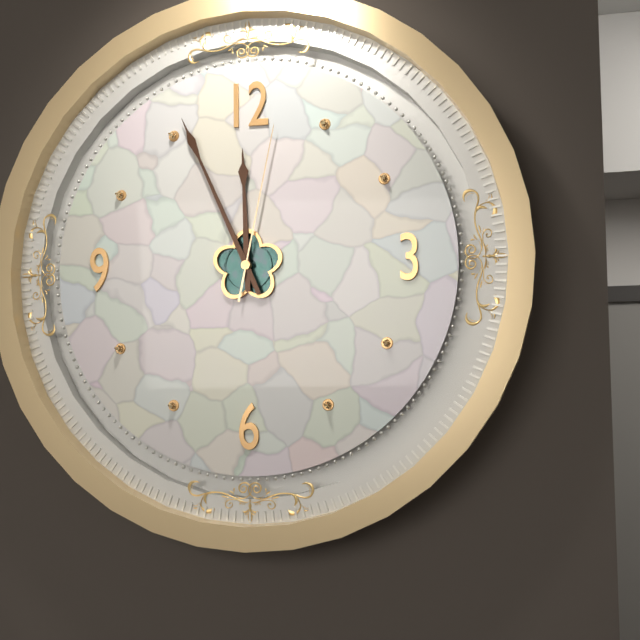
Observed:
11.56.02
